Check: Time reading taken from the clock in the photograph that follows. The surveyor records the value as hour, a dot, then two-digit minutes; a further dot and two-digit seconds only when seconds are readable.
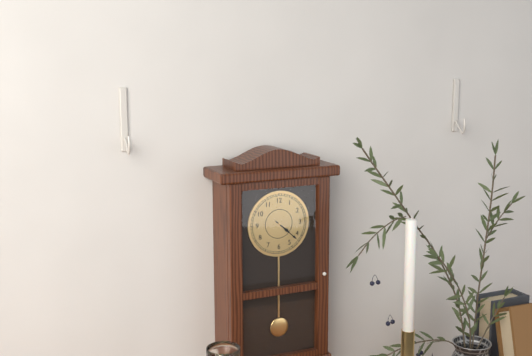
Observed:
4.22
